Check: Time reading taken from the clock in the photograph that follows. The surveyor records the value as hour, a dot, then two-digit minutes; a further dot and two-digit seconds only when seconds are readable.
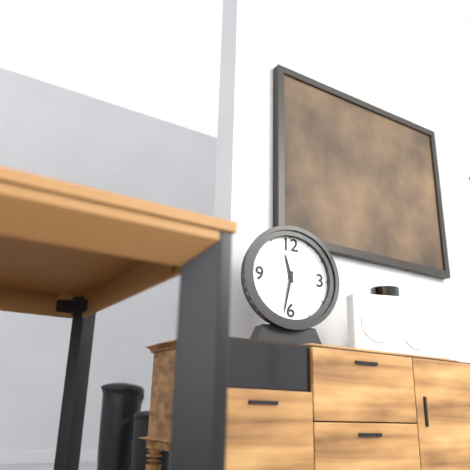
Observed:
11.32
